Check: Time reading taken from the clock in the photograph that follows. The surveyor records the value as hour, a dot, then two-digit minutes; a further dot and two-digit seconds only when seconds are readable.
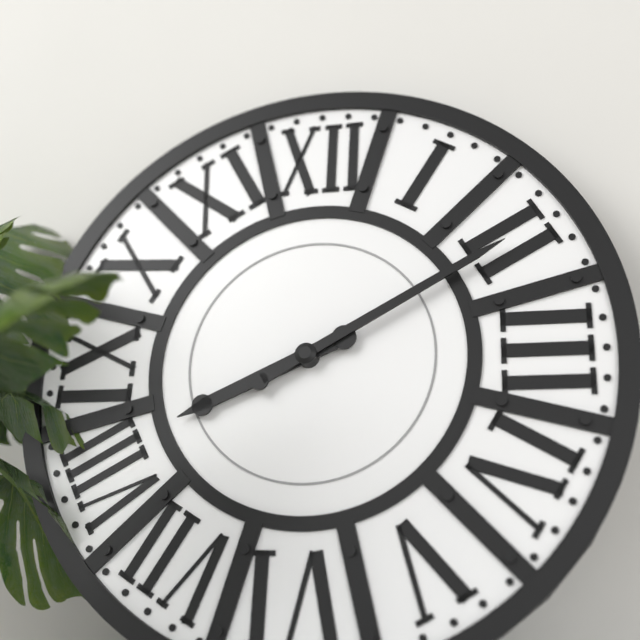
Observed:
8.10
